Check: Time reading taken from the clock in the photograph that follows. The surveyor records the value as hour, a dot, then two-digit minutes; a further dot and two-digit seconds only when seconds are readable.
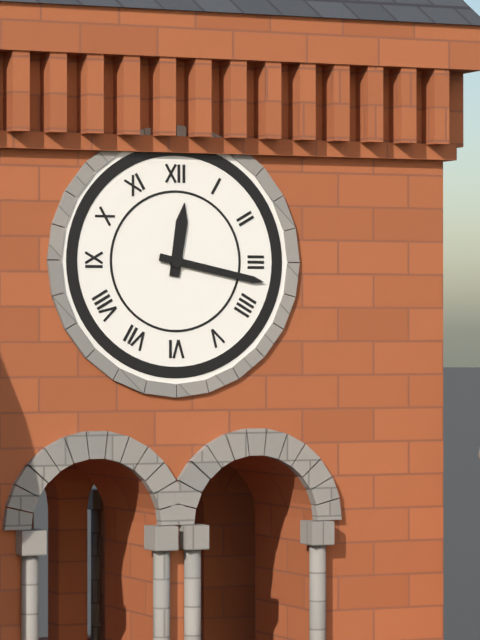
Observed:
12.17
